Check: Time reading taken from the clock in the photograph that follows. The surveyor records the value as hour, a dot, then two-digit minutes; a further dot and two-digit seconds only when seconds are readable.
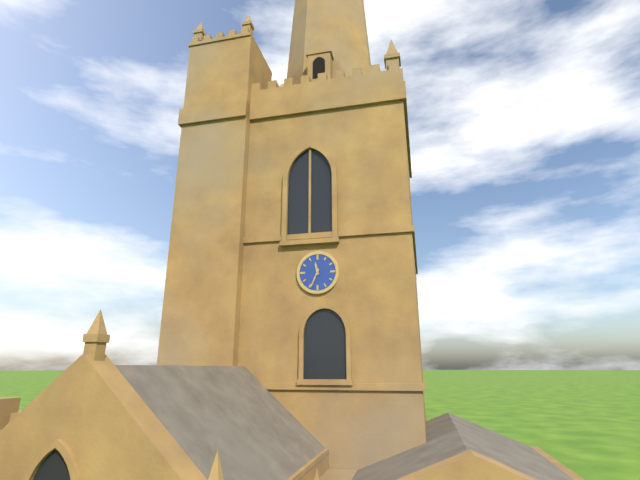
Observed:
11.34
